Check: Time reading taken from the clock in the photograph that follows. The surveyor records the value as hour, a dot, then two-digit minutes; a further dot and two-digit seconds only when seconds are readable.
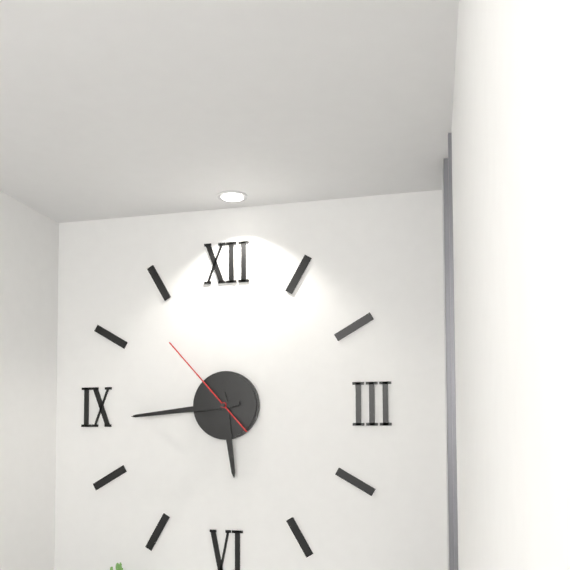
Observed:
5.44.53
